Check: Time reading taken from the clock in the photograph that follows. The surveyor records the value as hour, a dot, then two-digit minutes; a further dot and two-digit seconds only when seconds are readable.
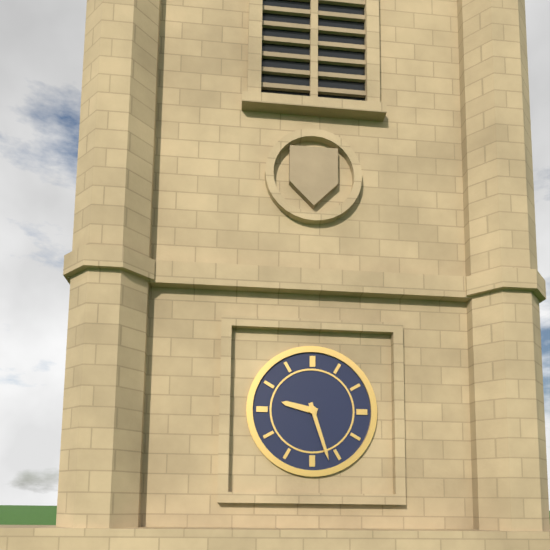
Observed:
9.27
